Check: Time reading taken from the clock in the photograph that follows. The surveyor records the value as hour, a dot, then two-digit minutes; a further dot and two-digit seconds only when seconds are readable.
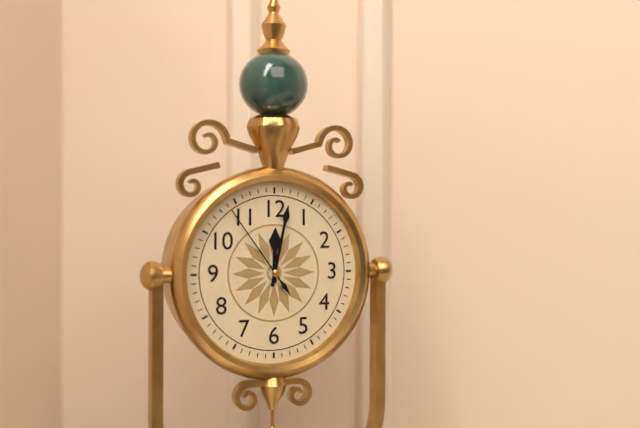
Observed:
12.02.54
